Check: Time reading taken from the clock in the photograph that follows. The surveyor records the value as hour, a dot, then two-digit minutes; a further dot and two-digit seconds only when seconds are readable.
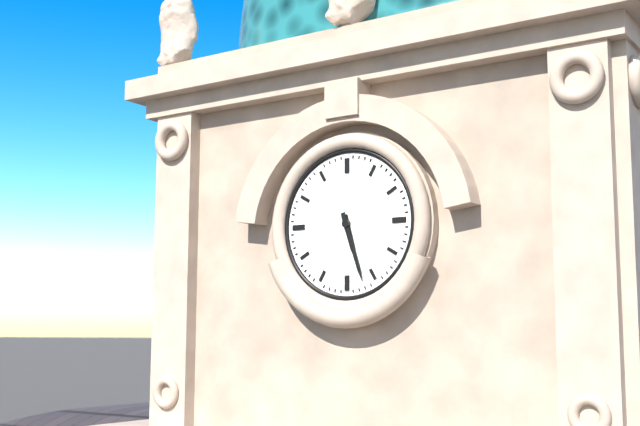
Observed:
5.27
